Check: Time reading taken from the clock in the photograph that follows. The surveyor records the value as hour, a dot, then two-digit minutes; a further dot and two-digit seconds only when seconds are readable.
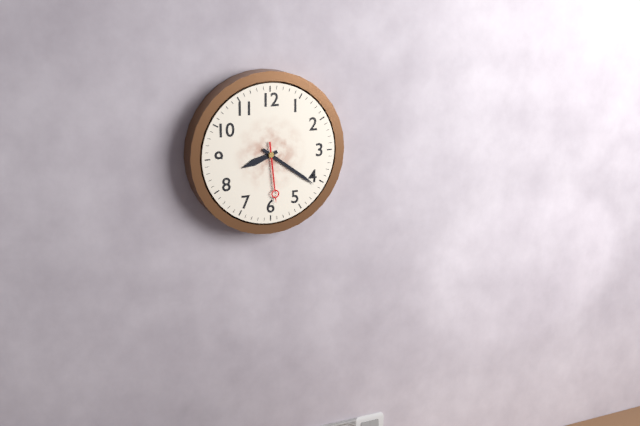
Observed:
8.21.29
